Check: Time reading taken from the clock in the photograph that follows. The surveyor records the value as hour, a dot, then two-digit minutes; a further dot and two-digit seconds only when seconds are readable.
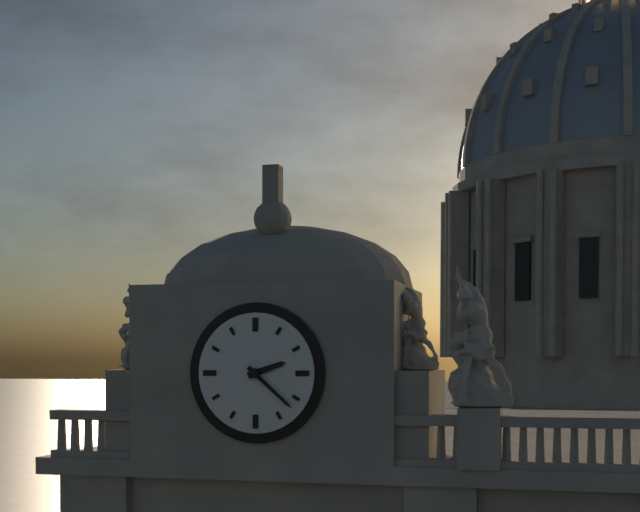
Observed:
2.22
